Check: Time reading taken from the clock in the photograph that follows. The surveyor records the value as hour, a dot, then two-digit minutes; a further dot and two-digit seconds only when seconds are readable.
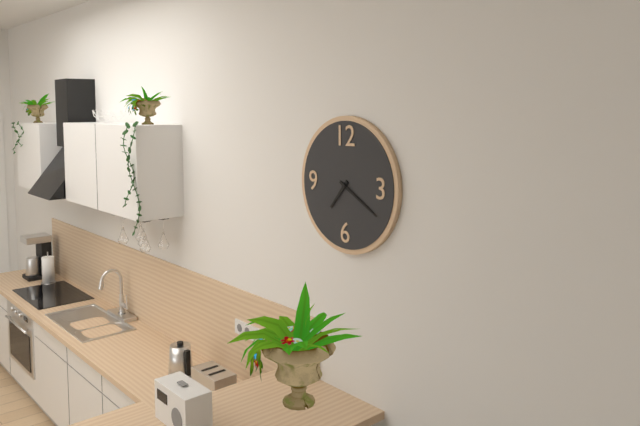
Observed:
7.20
